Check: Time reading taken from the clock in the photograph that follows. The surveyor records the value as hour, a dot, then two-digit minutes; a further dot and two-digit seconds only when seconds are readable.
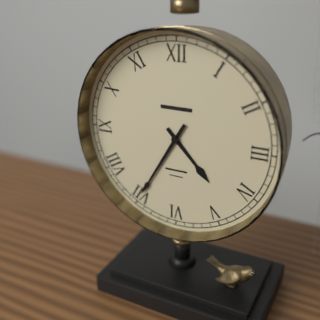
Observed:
4.35
